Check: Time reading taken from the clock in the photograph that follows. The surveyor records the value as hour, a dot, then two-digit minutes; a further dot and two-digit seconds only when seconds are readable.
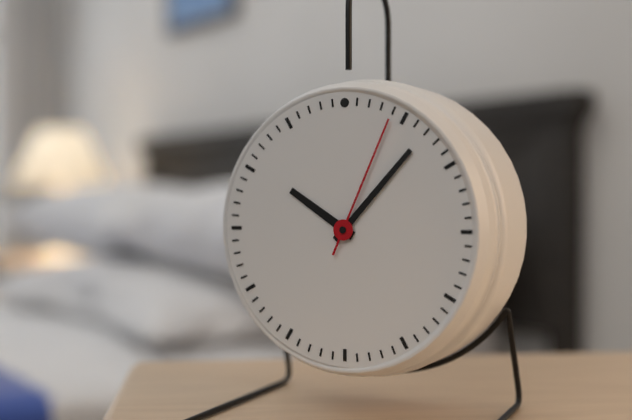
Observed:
10.07.04
